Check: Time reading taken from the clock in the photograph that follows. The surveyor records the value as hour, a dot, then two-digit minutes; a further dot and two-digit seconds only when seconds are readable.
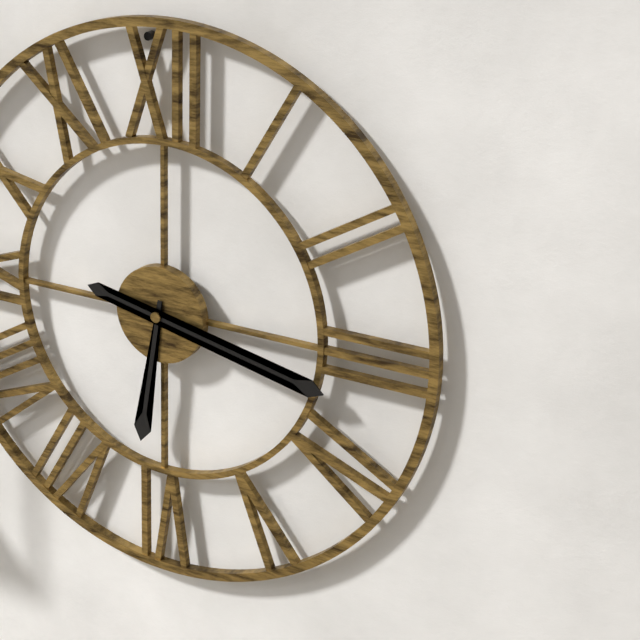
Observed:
6.17
